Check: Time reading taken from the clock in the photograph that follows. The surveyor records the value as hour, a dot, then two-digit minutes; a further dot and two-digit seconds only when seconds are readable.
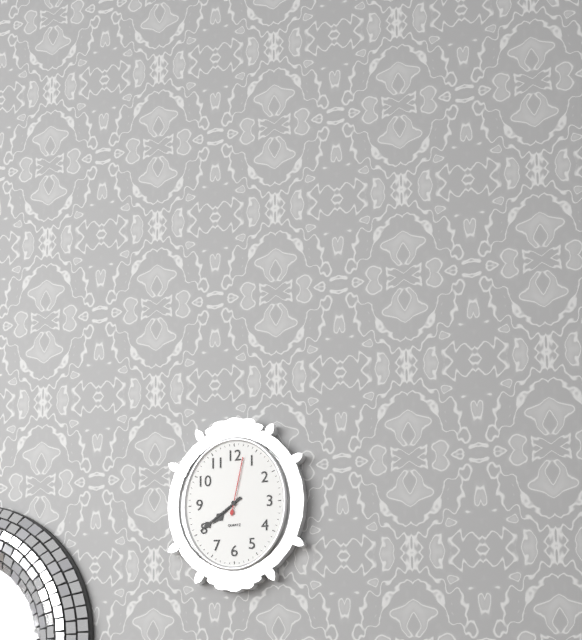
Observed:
7.39.02
